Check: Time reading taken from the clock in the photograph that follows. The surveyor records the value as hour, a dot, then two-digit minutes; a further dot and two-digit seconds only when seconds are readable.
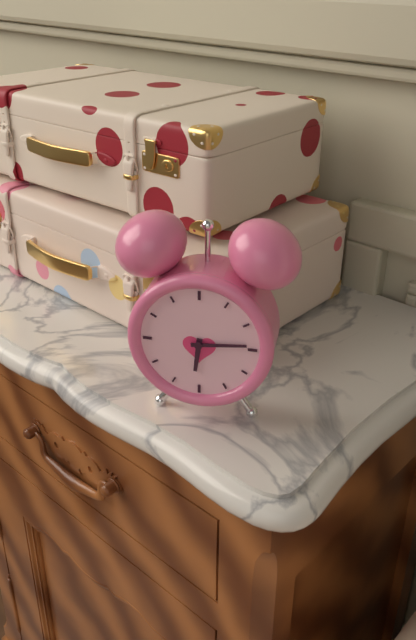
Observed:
6.14
